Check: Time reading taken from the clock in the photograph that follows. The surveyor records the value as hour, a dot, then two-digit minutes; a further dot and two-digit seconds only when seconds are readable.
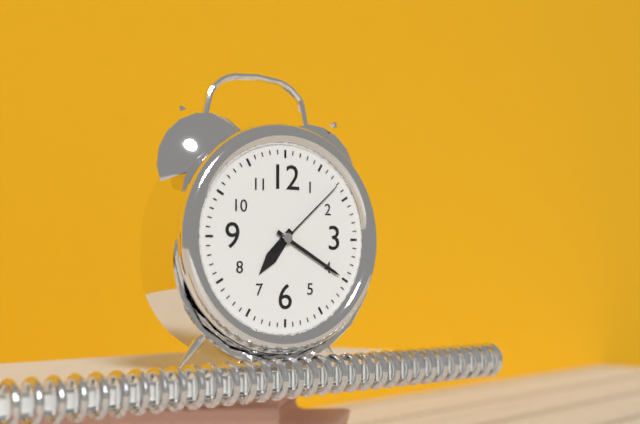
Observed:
7.20.08
